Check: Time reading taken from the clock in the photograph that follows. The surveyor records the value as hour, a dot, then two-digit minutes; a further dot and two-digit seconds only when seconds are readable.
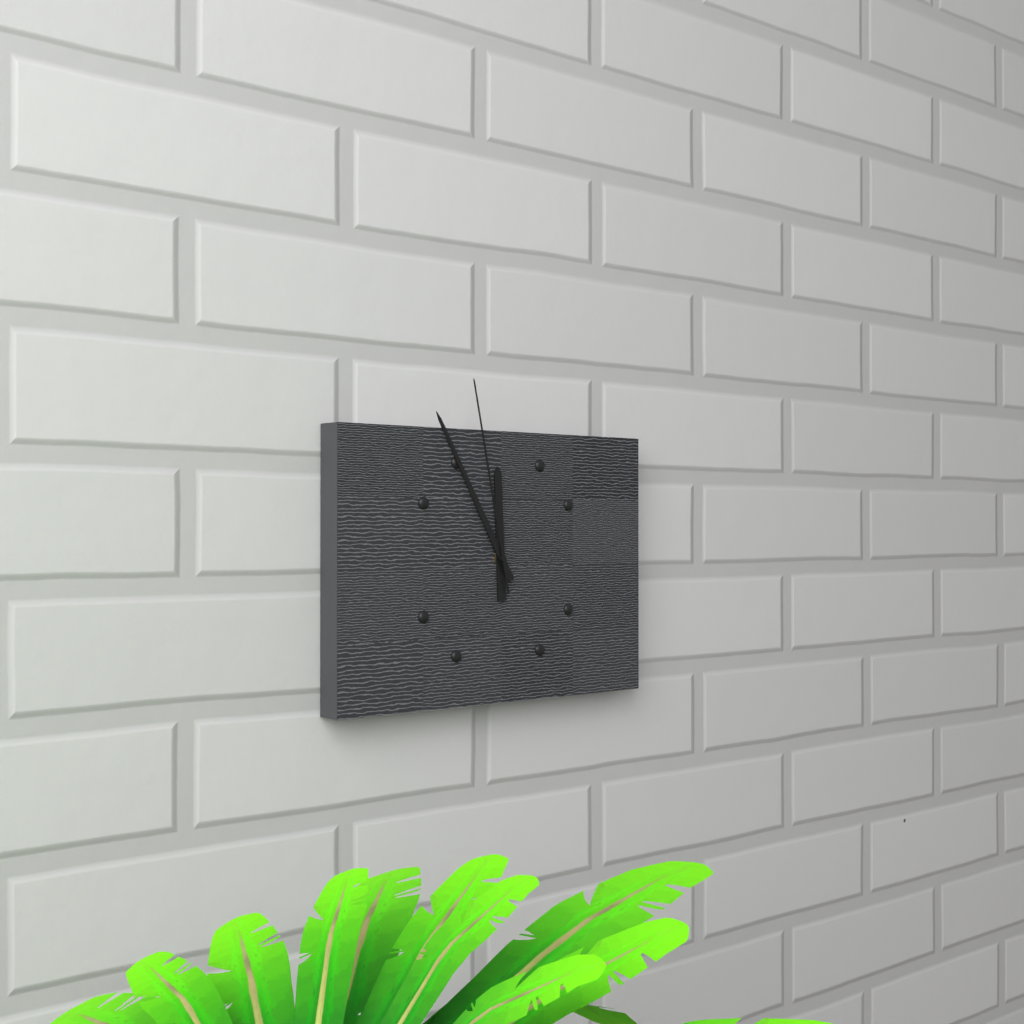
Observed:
11.55.58
